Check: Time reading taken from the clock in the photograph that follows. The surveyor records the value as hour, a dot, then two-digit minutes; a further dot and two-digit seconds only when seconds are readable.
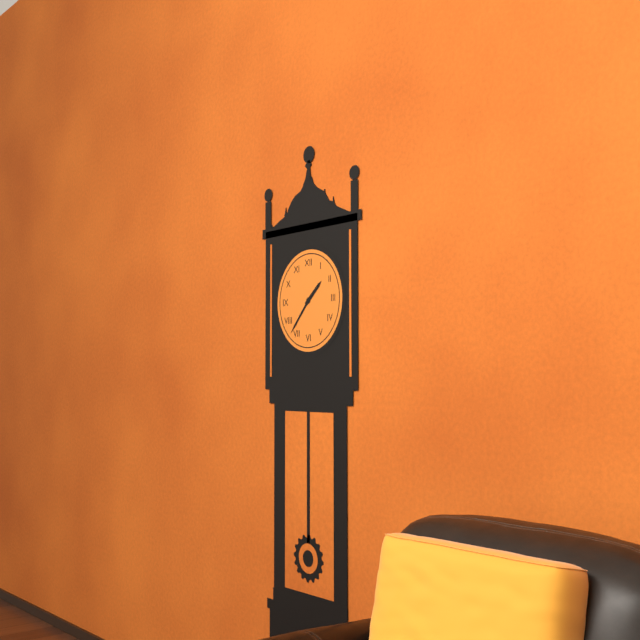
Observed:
1.37
